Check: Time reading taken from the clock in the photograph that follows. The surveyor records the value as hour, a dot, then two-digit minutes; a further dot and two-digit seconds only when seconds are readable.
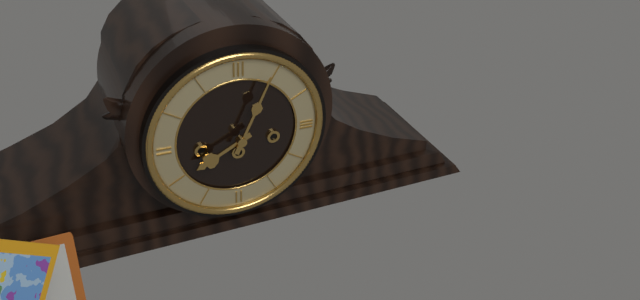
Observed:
8.04
